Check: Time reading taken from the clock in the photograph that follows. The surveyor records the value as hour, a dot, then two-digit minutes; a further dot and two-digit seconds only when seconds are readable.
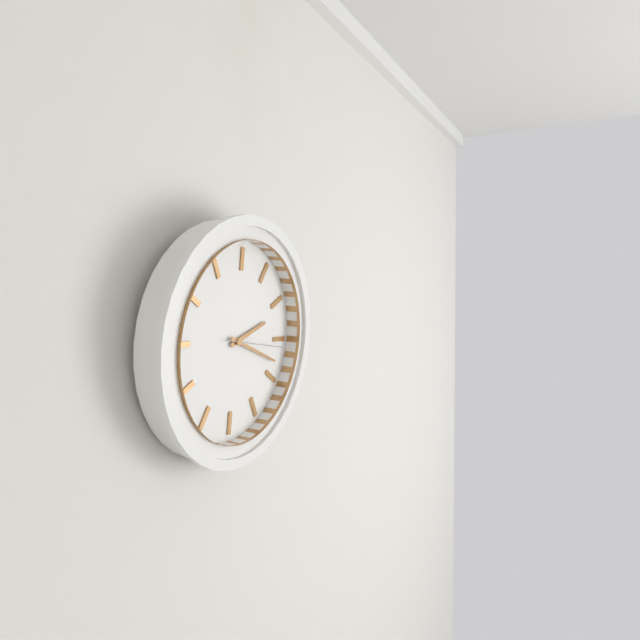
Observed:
2.18.16
